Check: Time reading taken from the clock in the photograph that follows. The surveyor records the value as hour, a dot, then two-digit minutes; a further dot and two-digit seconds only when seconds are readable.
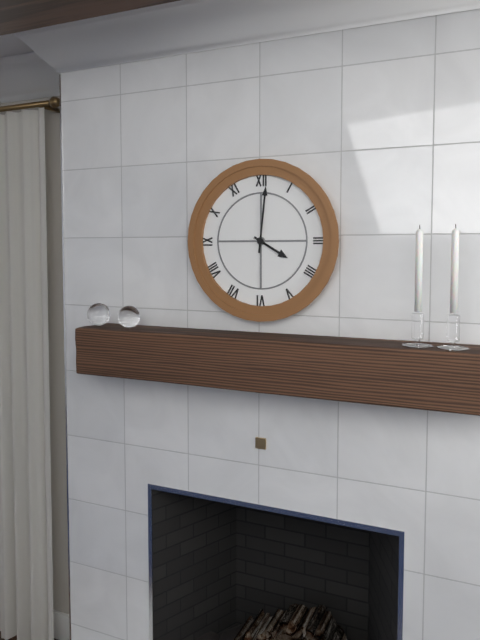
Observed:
4.01
